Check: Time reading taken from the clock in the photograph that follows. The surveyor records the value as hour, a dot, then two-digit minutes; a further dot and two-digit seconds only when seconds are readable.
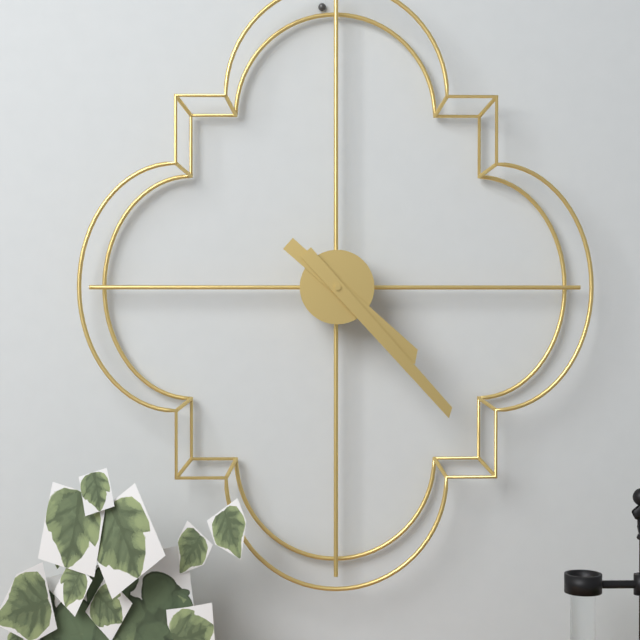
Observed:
4.23
